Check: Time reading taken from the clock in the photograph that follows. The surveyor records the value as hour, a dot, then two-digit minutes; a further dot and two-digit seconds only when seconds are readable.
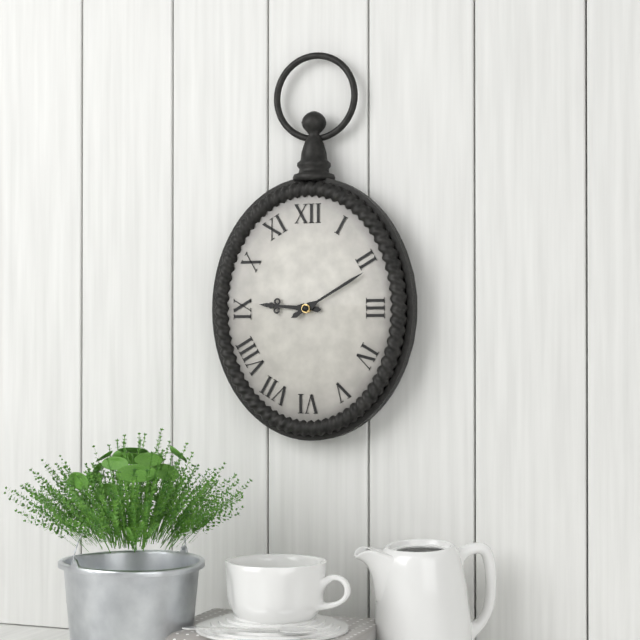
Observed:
9.10
